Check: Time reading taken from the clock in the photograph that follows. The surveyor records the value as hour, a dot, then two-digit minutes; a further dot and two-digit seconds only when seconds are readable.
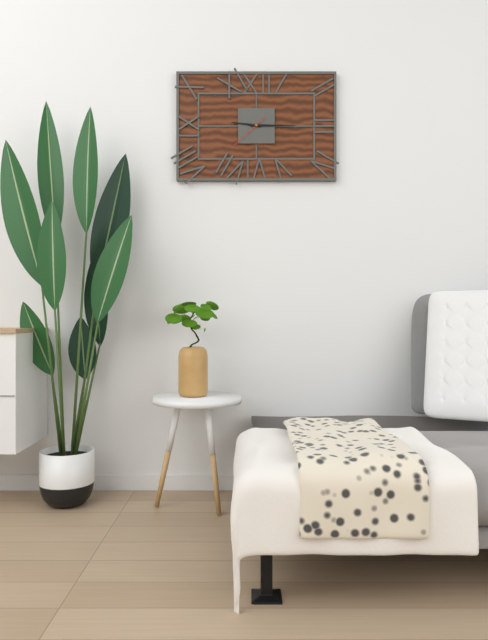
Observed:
9.15
